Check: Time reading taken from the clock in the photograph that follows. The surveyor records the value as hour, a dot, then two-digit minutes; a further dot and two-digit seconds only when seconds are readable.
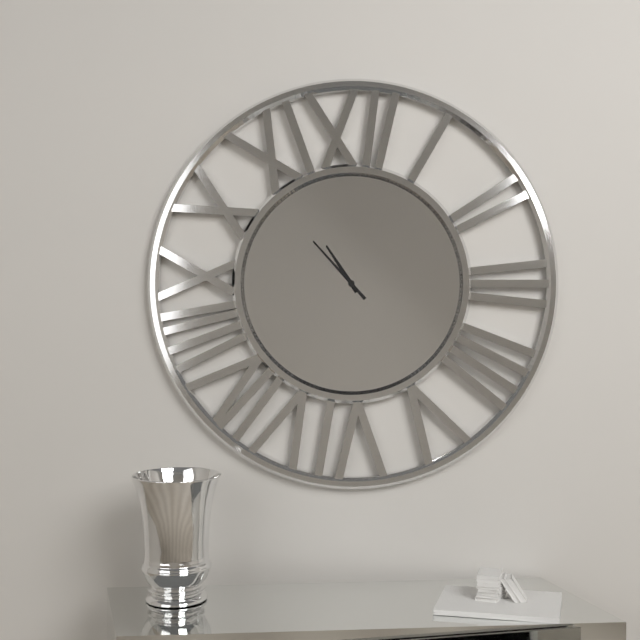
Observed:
10.53
